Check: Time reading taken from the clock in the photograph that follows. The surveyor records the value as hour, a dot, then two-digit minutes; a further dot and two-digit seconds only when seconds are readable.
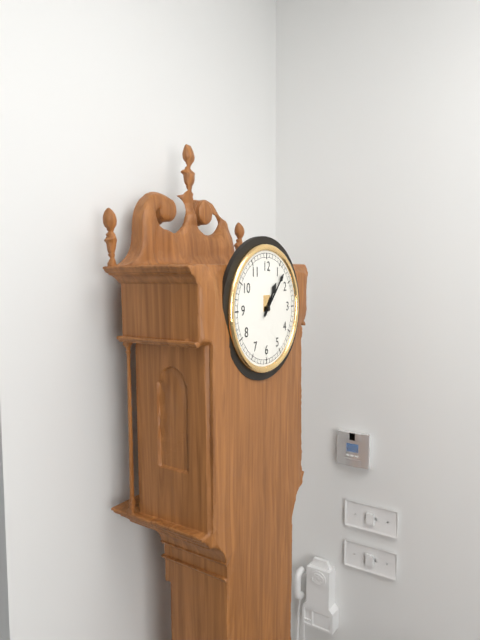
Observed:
1.07
